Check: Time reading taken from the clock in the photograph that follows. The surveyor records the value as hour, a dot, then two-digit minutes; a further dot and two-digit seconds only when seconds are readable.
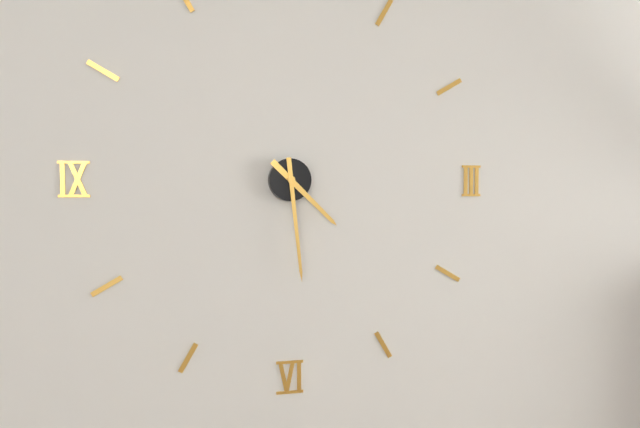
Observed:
4.29
